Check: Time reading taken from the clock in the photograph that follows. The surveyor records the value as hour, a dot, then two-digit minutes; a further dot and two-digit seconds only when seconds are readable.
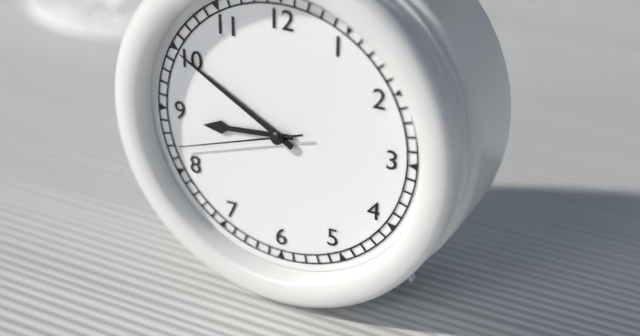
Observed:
8.50.42
